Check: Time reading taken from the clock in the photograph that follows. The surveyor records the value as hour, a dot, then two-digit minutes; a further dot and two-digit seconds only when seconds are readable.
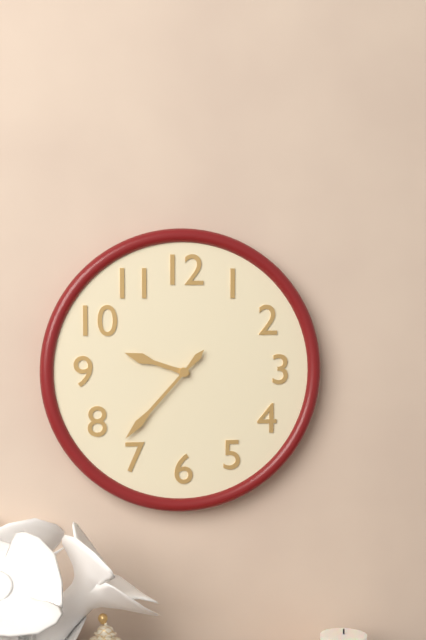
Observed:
9.37
